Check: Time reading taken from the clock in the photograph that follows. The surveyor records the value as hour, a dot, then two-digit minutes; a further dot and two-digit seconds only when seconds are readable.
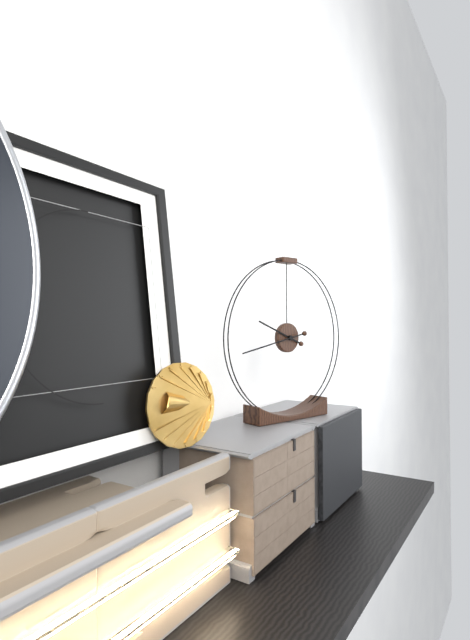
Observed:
9.43
